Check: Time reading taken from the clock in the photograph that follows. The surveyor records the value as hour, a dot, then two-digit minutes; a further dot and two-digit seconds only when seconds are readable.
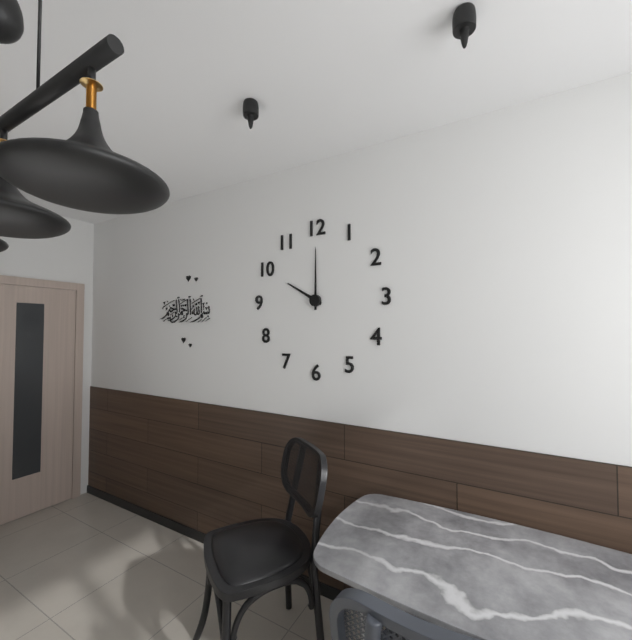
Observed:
10.00
